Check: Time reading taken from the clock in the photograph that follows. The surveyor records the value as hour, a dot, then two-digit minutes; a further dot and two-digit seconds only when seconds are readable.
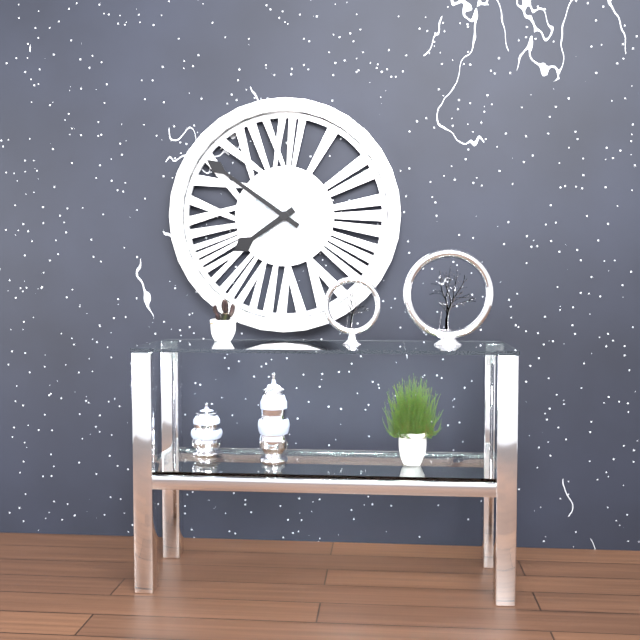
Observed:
7.51
